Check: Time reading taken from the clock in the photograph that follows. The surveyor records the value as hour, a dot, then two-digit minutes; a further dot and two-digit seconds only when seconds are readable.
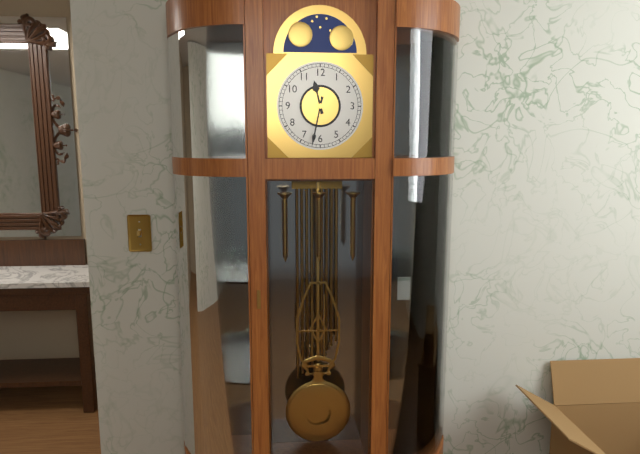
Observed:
11.32
